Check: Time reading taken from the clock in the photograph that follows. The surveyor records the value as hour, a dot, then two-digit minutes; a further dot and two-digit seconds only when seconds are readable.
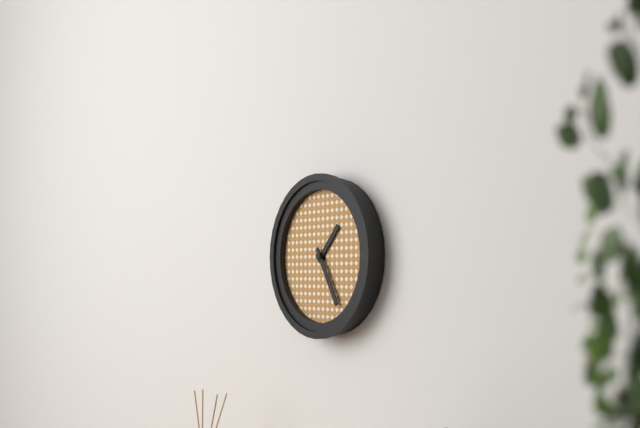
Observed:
1.25
